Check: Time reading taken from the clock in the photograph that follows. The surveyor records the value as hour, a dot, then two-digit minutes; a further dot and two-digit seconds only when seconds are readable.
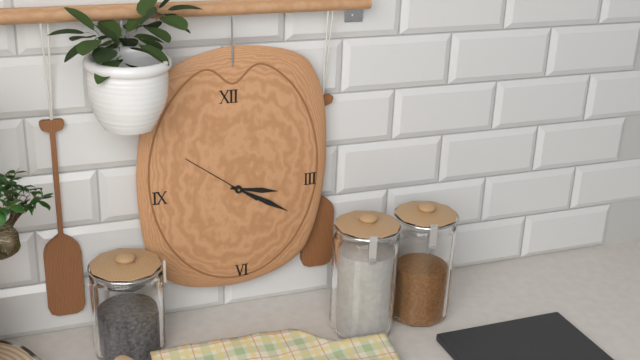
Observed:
3.20.51
